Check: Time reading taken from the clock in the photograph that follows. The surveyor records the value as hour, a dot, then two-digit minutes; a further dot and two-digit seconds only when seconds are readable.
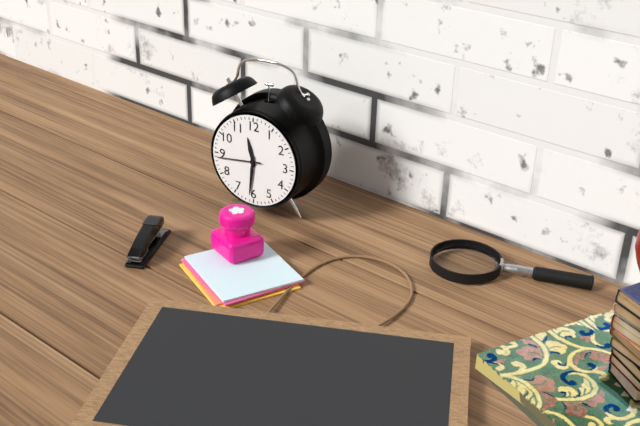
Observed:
11.31
